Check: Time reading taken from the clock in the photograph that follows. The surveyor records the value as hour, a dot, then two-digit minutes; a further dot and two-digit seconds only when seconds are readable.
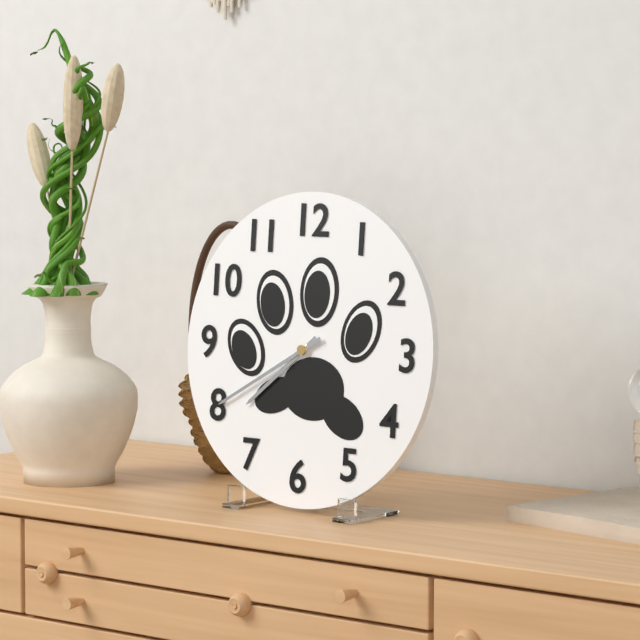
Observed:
7.40
